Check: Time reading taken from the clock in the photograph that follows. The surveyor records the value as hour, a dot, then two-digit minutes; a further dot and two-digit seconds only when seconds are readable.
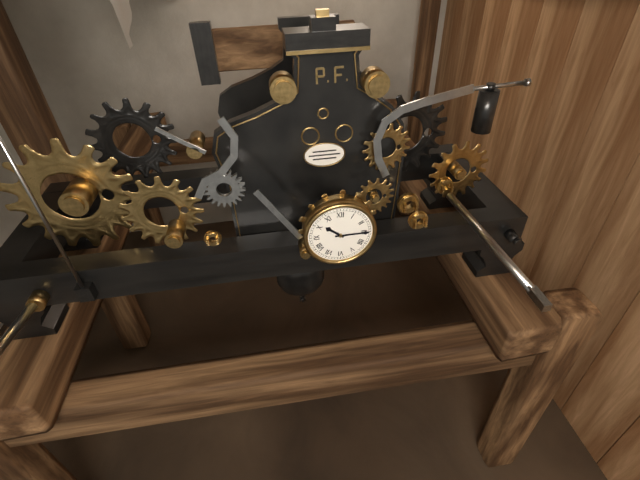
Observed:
10.15
